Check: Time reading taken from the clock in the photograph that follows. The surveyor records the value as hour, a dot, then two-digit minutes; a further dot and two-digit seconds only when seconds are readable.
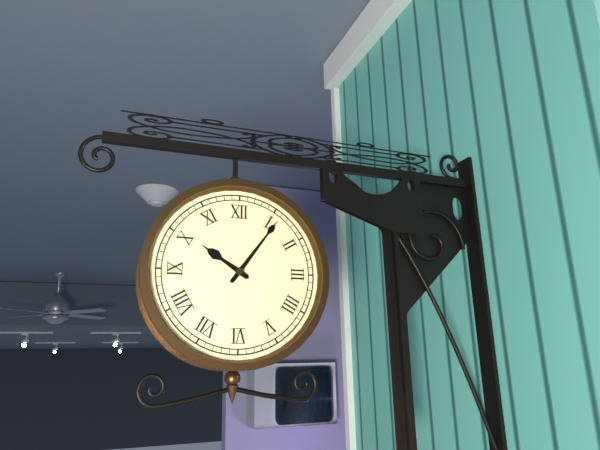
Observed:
10.06
